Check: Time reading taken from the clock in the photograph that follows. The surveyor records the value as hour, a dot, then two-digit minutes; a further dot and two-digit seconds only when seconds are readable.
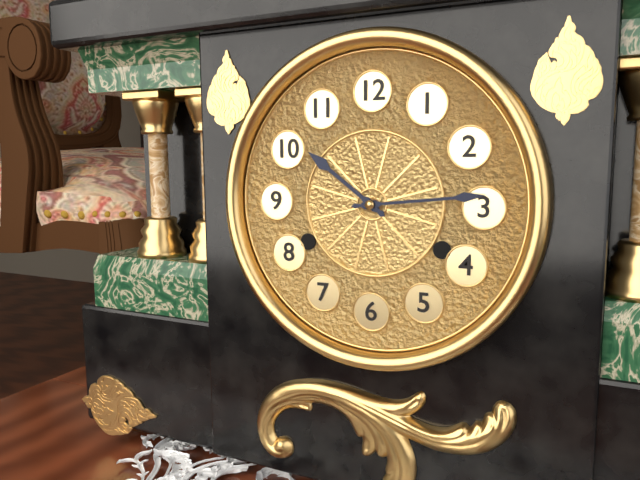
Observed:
10.14
